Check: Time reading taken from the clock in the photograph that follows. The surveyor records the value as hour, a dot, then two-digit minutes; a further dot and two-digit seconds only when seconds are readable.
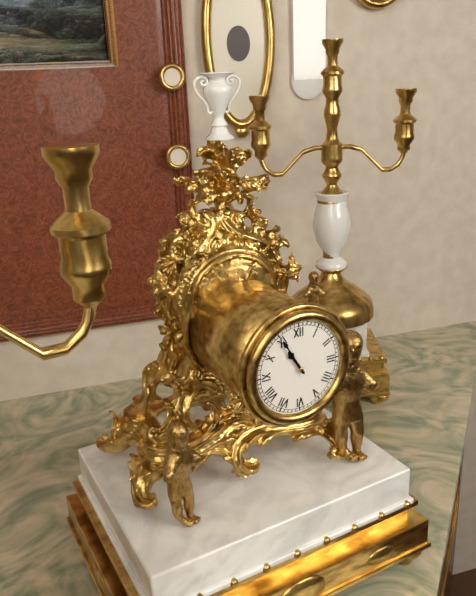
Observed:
10.55
